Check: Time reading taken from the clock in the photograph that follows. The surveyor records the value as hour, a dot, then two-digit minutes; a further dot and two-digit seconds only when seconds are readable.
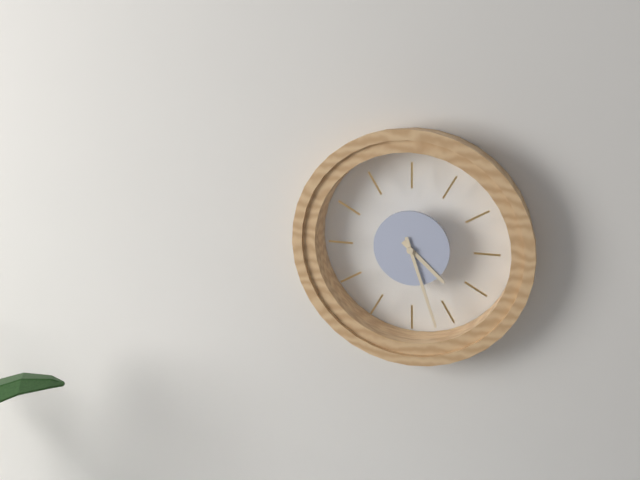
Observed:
4.27
